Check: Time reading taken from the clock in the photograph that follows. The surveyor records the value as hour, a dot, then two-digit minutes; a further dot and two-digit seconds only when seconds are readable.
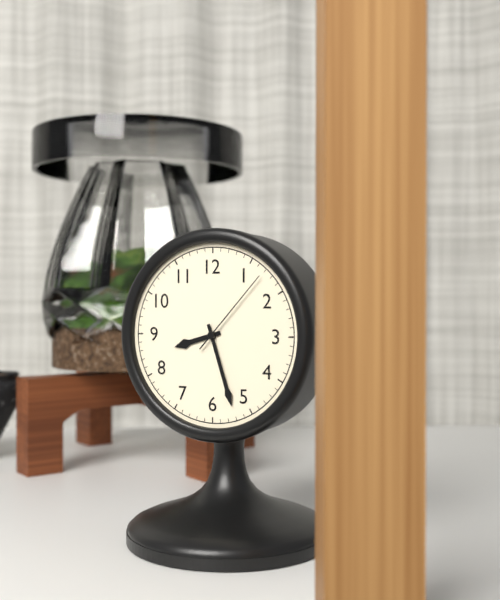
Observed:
8.27.07
